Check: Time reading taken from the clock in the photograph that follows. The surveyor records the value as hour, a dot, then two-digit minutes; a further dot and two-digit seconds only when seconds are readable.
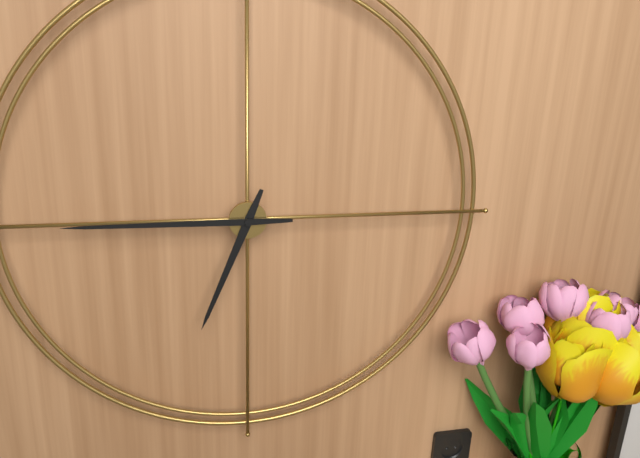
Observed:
6.45
